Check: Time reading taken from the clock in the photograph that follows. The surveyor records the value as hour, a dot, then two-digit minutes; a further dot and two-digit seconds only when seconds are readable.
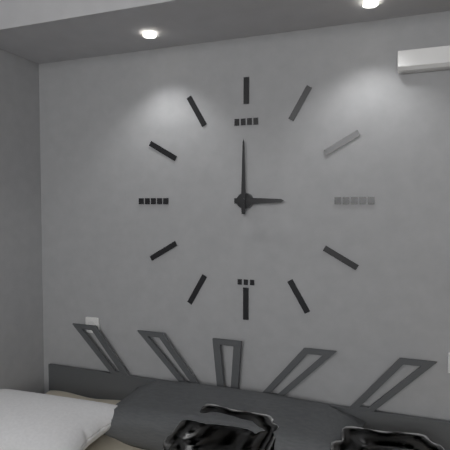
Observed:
3.00
